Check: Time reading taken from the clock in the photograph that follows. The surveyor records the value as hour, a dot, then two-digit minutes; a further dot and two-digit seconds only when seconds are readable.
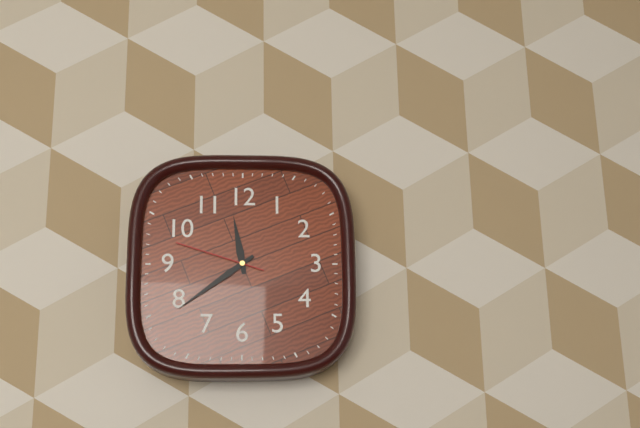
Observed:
11.39.48
